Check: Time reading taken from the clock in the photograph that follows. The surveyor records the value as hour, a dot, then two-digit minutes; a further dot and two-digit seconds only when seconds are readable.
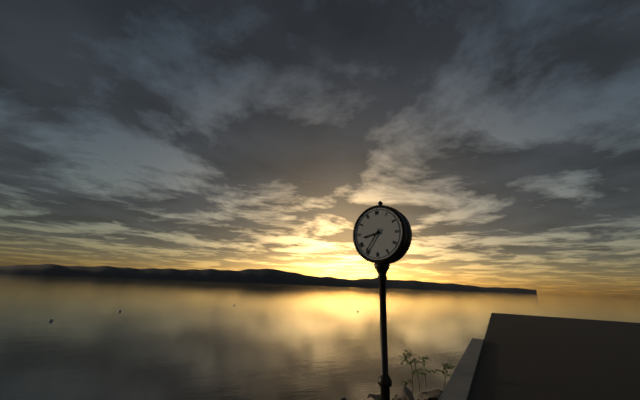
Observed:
8.36
